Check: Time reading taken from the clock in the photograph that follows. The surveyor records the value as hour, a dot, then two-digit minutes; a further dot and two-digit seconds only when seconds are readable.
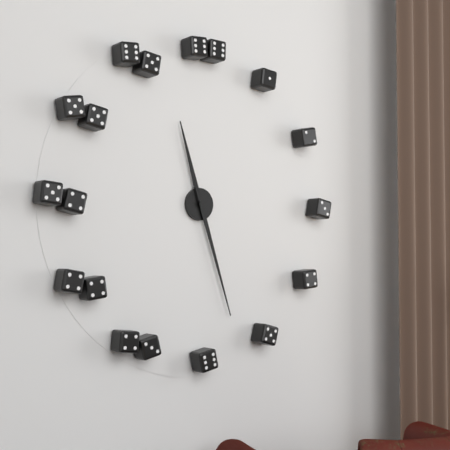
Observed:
11.27
